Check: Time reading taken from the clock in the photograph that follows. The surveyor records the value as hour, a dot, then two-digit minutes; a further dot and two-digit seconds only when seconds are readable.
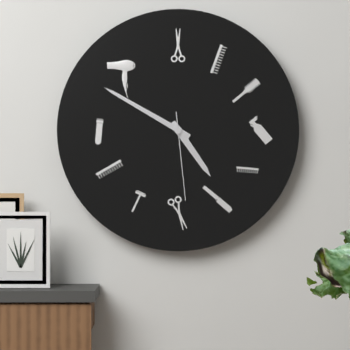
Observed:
4.50.29
